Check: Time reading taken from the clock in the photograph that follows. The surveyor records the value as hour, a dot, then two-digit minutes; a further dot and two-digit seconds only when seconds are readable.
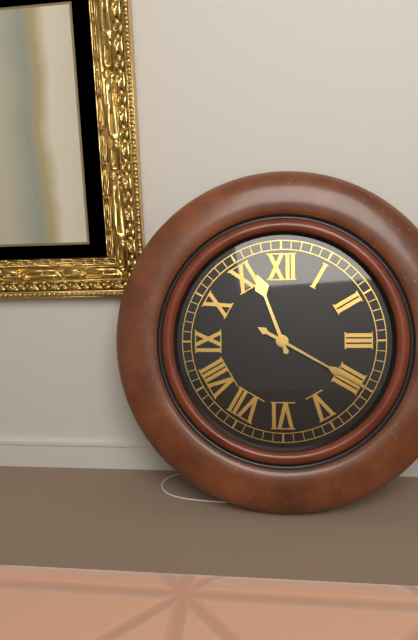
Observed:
11.20
